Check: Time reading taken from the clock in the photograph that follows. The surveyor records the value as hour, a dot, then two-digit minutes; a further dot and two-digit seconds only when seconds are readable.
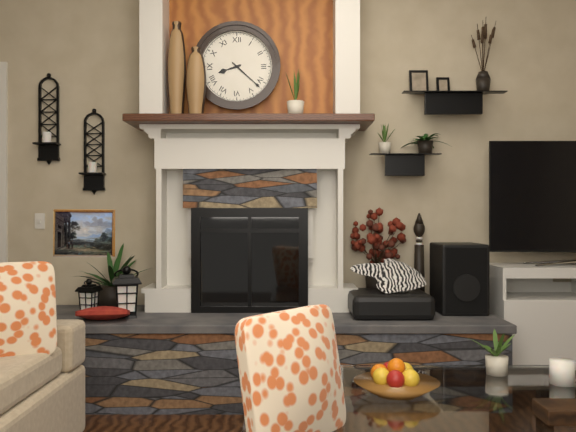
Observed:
8.22
